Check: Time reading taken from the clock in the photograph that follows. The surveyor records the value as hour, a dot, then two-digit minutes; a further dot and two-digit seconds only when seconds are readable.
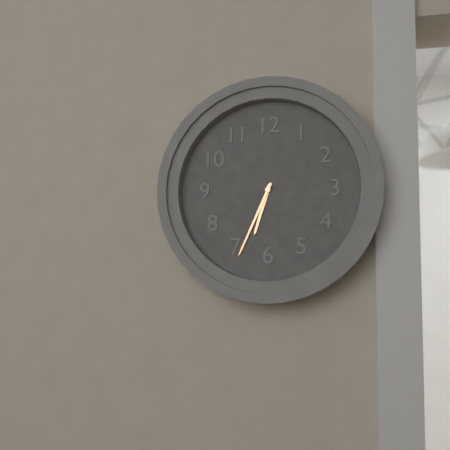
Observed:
6.34
